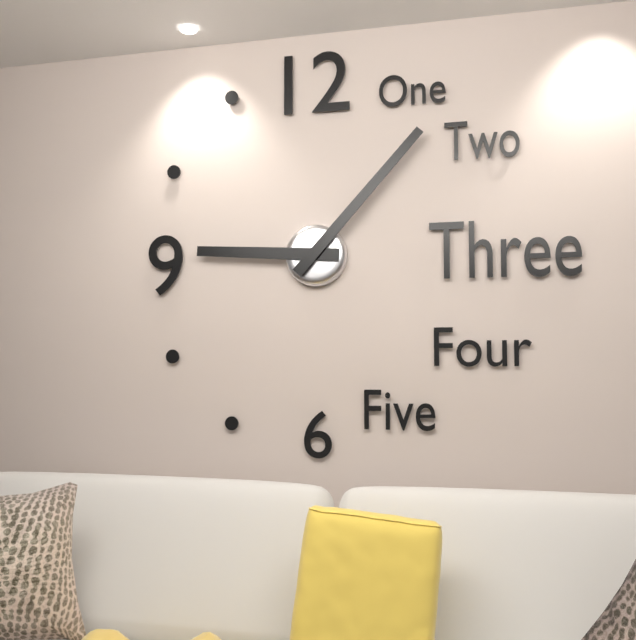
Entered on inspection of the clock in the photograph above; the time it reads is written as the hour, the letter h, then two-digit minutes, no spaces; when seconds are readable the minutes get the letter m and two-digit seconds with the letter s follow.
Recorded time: 9h07
